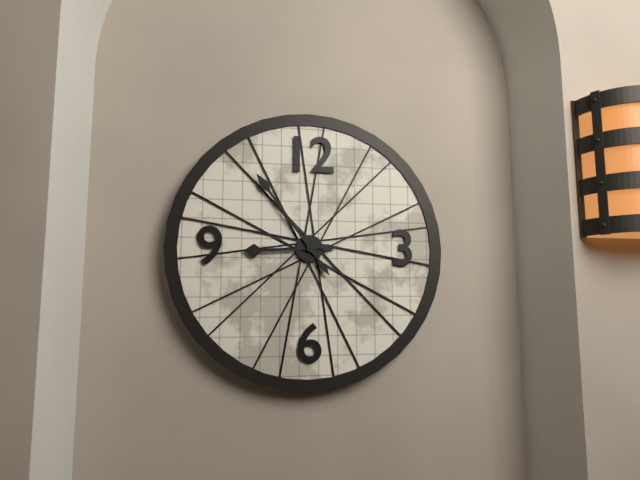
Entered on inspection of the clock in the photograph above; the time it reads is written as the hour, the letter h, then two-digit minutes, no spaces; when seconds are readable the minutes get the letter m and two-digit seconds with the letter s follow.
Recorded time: 8h54
